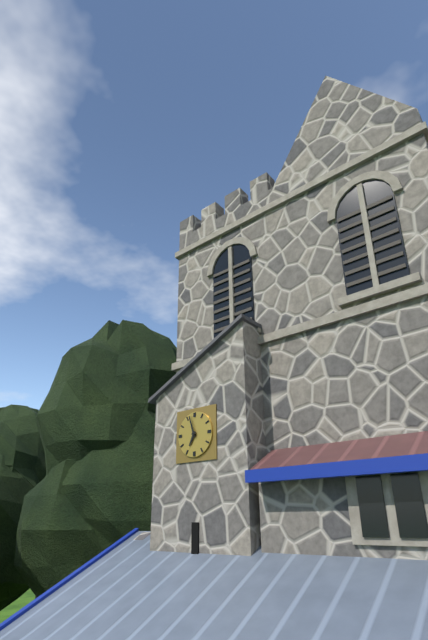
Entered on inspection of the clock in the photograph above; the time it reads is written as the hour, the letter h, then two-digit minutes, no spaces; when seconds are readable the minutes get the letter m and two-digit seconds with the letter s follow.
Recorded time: 6h57
